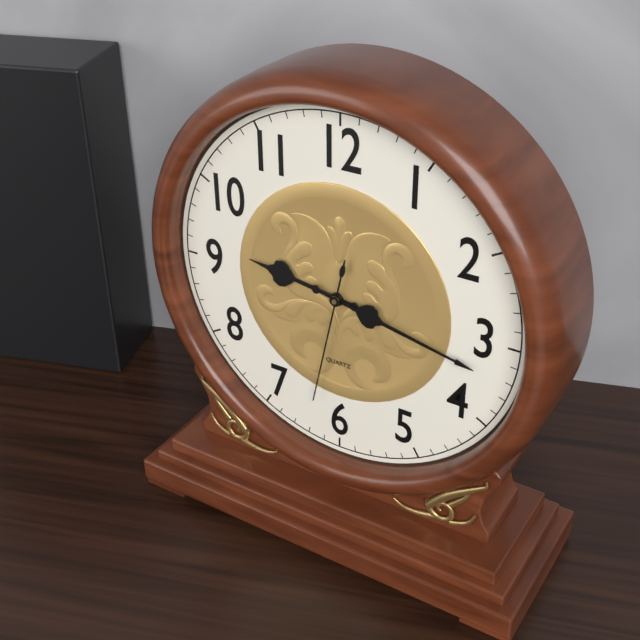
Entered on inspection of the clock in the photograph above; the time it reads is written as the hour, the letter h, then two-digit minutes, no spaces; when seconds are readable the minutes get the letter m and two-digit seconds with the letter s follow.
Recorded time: 9h17m32s
